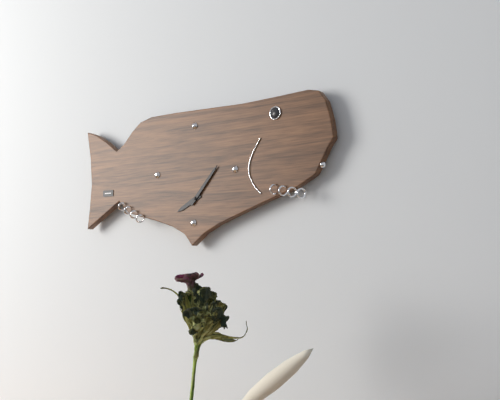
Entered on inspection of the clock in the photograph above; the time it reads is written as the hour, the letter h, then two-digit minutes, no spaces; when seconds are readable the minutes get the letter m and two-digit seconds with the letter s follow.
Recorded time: 8h07
